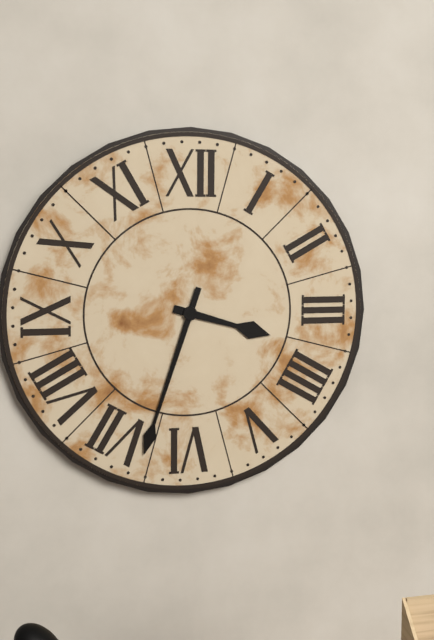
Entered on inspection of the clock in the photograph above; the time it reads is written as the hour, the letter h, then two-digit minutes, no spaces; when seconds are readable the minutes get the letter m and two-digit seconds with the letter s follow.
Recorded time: 3h33
